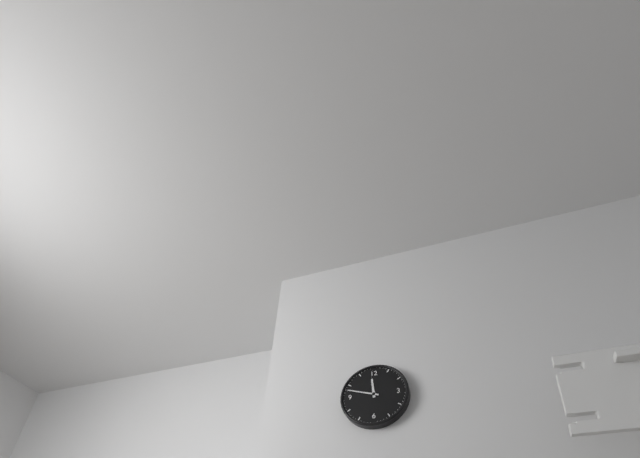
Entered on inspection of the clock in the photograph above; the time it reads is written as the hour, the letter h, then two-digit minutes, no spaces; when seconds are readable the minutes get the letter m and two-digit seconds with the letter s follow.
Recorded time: 11h48
